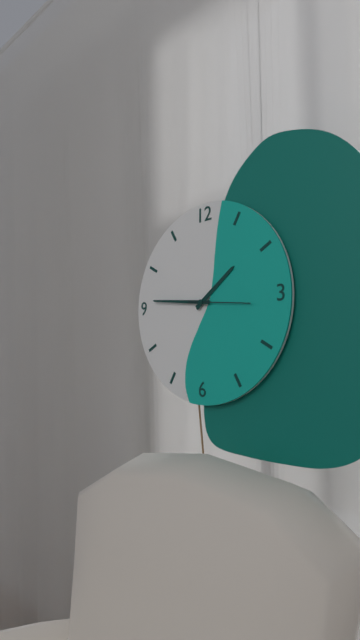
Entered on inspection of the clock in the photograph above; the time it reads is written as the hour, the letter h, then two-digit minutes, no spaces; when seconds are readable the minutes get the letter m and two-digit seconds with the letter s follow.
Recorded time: 1h46m16s
